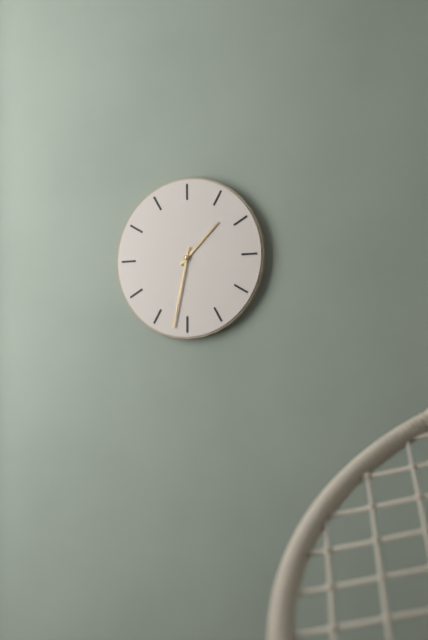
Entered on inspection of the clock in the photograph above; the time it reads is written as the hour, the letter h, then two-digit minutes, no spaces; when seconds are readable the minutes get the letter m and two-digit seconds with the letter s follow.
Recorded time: 1h32
